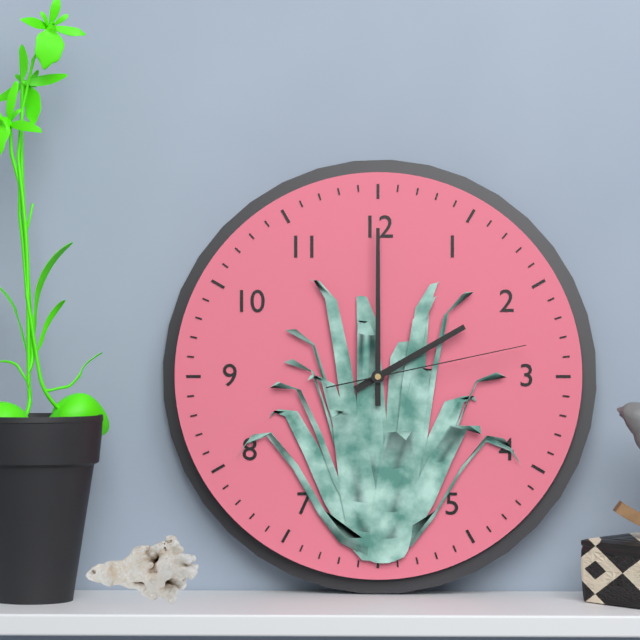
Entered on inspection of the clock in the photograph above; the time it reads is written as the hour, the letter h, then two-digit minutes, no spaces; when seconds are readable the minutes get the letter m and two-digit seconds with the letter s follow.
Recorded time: 2h00m13s
